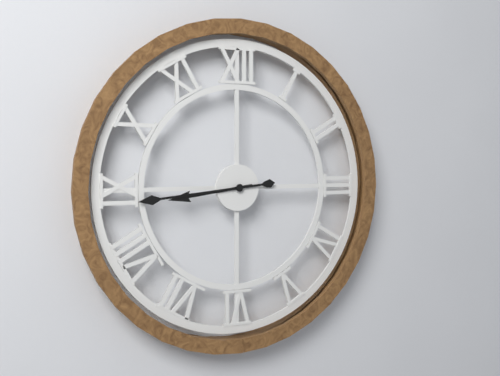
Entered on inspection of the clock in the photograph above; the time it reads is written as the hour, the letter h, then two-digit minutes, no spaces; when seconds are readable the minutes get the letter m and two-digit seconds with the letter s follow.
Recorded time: 8h44
